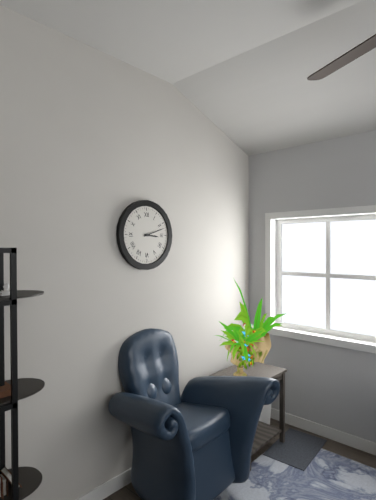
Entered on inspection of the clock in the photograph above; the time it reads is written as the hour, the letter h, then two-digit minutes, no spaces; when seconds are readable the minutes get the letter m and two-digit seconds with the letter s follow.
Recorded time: 3h12
